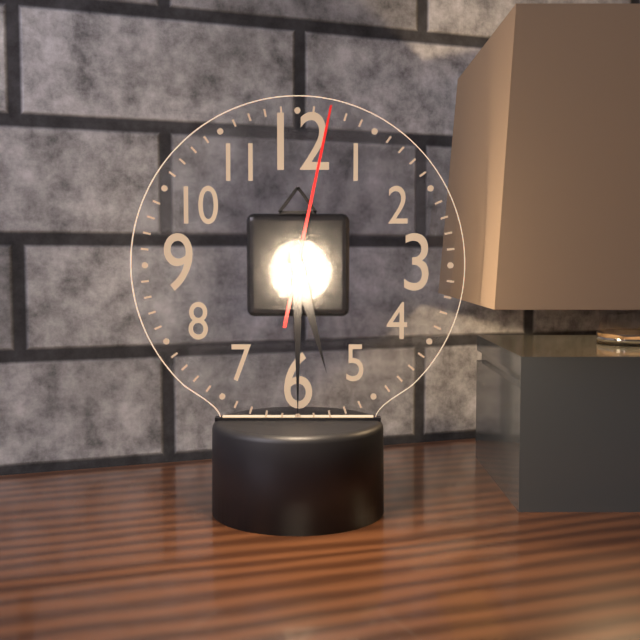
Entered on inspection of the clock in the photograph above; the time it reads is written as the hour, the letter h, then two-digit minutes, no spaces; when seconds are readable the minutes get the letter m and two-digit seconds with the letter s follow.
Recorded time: 5h30m02s
